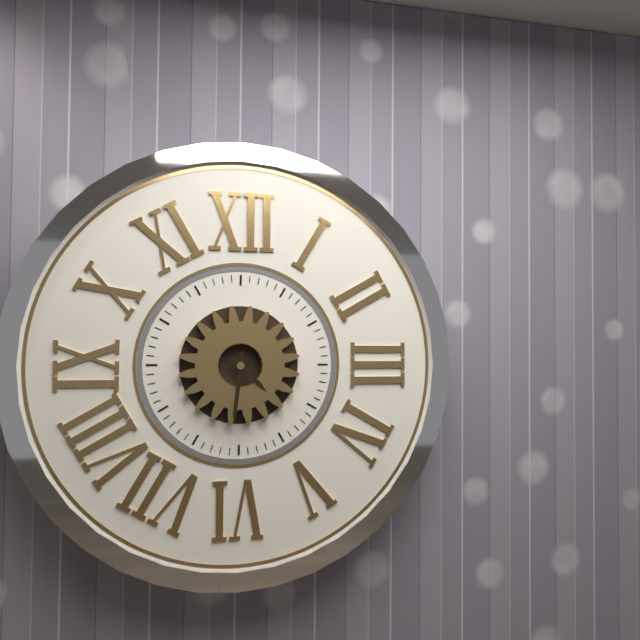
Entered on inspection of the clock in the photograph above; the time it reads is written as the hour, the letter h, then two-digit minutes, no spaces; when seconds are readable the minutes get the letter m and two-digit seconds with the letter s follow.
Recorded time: 4h31
